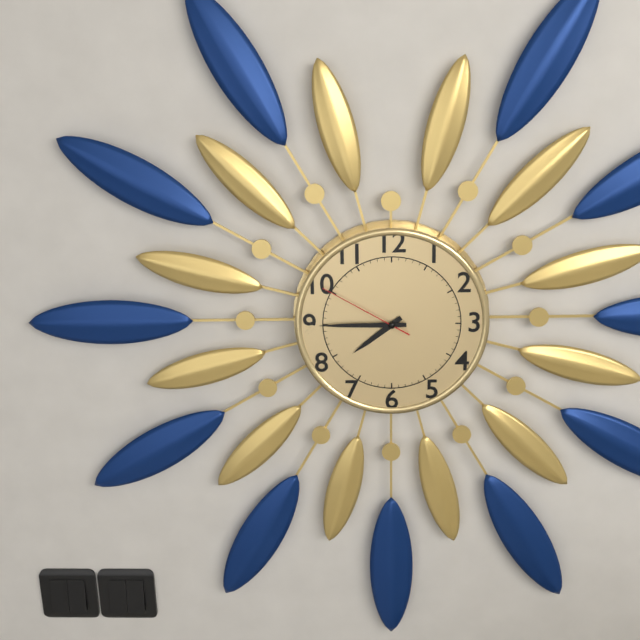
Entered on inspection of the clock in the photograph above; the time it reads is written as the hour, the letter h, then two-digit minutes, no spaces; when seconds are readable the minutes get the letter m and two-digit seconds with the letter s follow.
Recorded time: 7h45m50s
